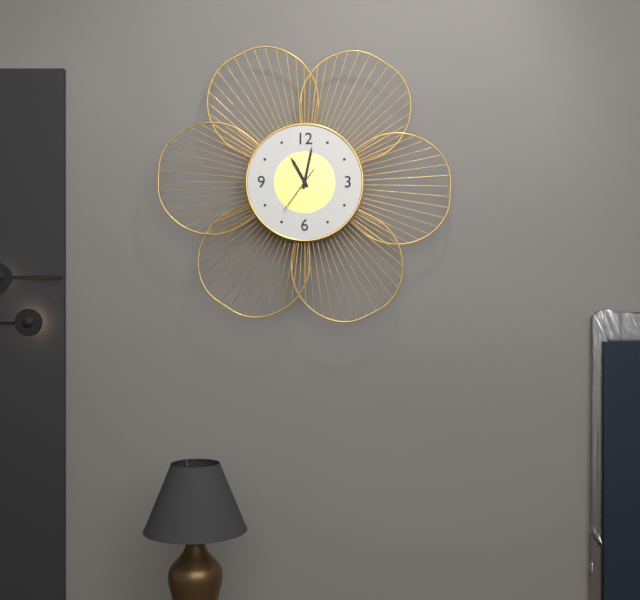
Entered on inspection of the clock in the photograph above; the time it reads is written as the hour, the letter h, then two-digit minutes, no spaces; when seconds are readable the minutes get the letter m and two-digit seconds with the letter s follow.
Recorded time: 11h02
